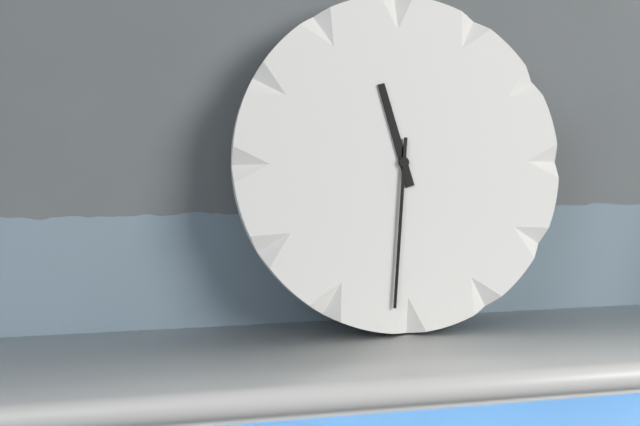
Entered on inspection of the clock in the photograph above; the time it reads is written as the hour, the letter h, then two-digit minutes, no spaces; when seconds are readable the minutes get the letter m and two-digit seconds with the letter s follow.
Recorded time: 11h31
